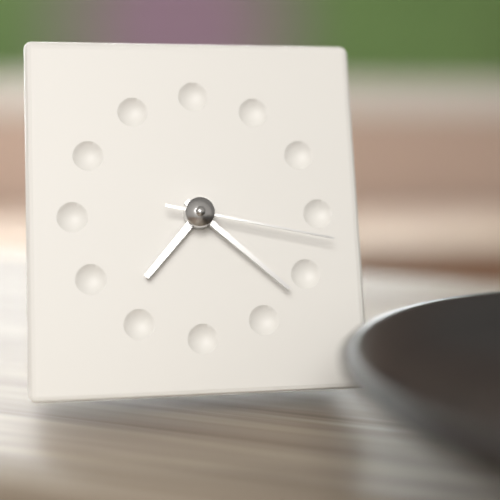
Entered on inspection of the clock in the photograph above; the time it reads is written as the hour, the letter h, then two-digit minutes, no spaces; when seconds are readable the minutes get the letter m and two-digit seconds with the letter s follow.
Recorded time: 7h22m17s
